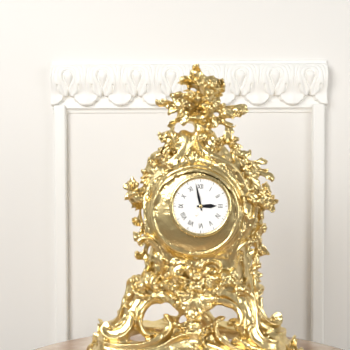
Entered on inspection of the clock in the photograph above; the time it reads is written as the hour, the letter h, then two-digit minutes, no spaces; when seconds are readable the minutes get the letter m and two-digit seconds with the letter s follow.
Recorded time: 2h58
